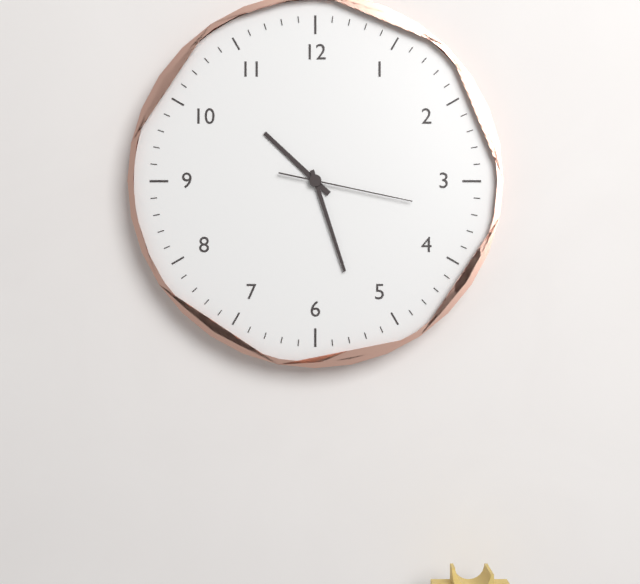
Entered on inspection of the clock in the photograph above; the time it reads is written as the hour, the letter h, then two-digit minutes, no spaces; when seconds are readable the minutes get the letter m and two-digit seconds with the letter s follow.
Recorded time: 10h27m17s
